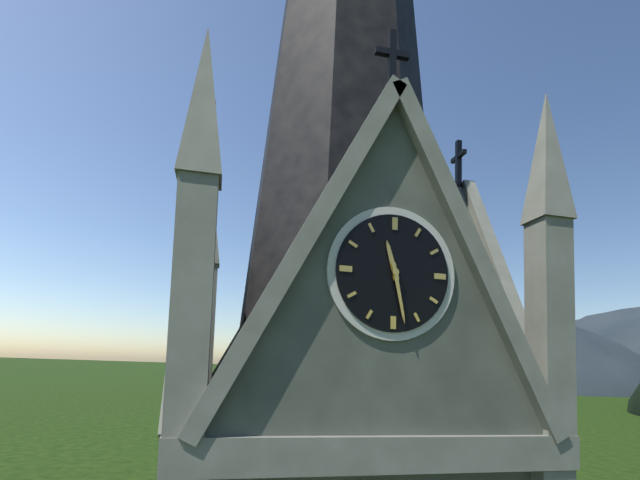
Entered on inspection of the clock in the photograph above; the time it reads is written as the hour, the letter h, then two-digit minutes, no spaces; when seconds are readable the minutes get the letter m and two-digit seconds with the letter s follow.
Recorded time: 11h28
